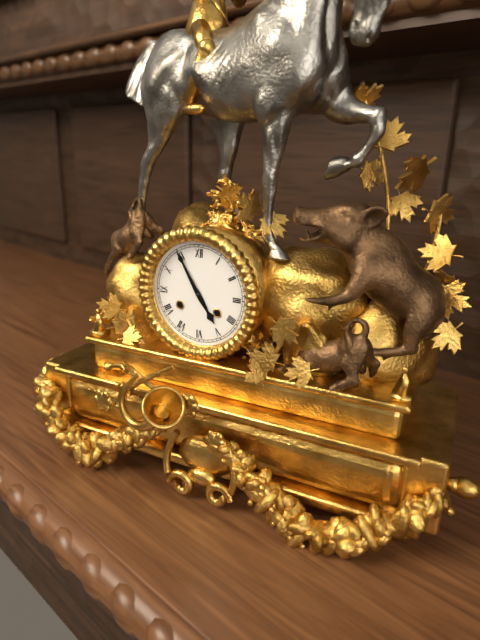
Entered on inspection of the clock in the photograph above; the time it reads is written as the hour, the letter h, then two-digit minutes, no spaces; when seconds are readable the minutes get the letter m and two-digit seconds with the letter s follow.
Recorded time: 4h55
